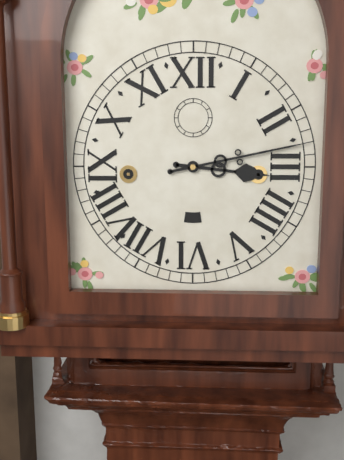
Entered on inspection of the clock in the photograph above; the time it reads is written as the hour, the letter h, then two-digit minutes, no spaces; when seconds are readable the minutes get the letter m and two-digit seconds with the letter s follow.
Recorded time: 3h13
